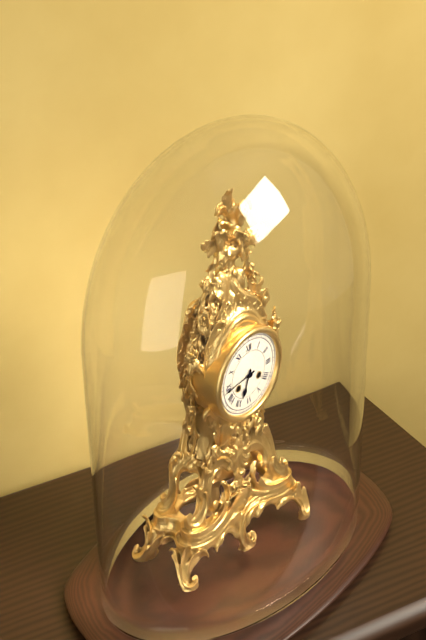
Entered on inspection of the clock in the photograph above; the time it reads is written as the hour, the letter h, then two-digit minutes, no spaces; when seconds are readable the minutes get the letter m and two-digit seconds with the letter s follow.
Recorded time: 6h44
